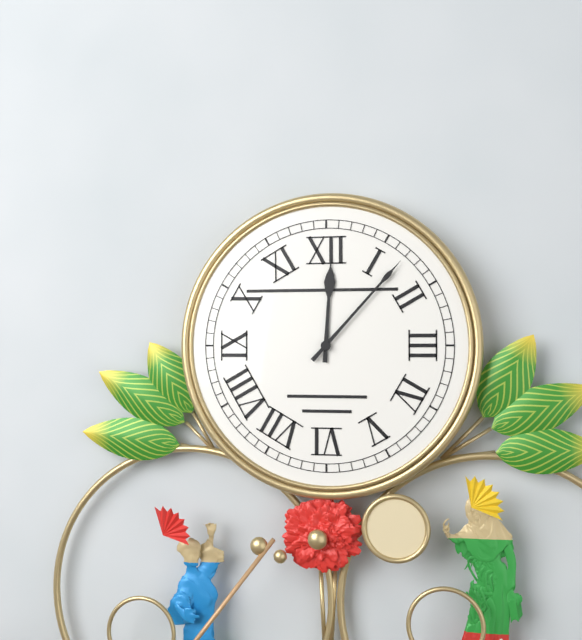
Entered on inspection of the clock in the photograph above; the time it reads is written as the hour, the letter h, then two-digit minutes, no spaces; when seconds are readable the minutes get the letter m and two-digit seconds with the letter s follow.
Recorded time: 12h07
